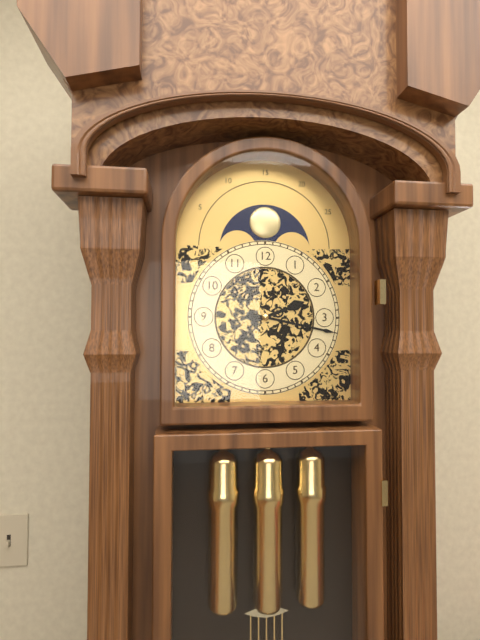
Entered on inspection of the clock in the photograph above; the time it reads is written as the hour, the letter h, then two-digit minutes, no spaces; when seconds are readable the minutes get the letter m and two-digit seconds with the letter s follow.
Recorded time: 2h17
